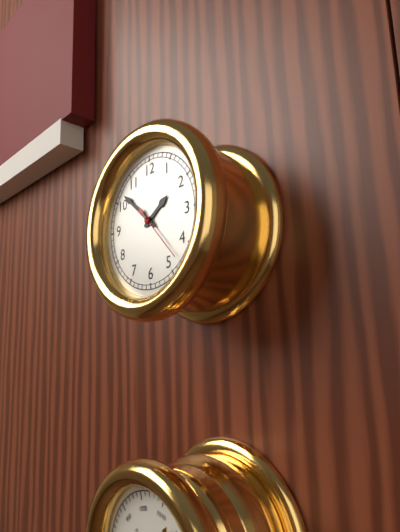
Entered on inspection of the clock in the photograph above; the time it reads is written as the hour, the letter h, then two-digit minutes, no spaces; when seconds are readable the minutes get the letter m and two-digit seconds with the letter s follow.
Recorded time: 1h52m23s
